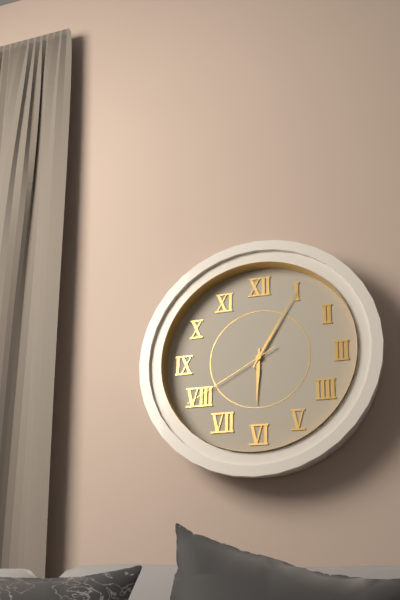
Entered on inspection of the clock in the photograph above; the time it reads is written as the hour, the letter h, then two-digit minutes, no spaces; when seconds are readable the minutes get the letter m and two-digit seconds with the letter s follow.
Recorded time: 6h05m40s
